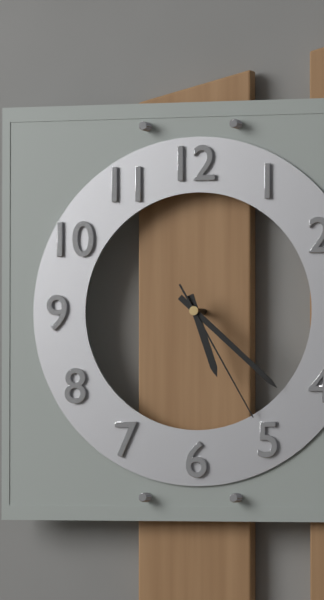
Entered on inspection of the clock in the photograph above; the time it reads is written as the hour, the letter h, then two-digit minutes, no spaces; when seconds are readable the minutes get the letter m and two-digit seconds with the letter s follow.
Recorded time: 5h22m25s
